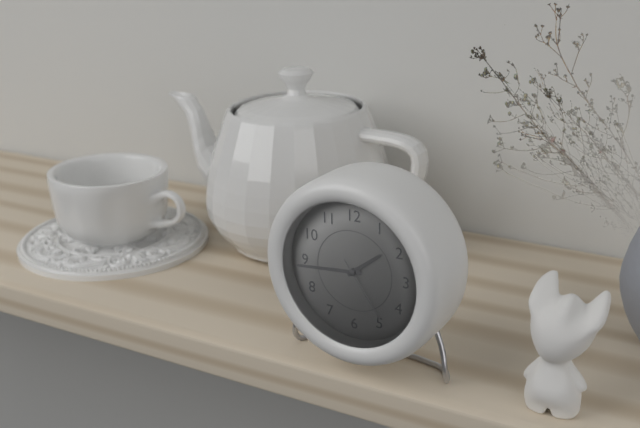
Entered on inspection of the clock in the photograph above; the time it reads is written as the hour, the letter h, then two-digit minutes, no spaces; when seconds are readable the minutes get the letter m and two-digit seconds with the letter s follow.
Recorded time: 1h44m24s
